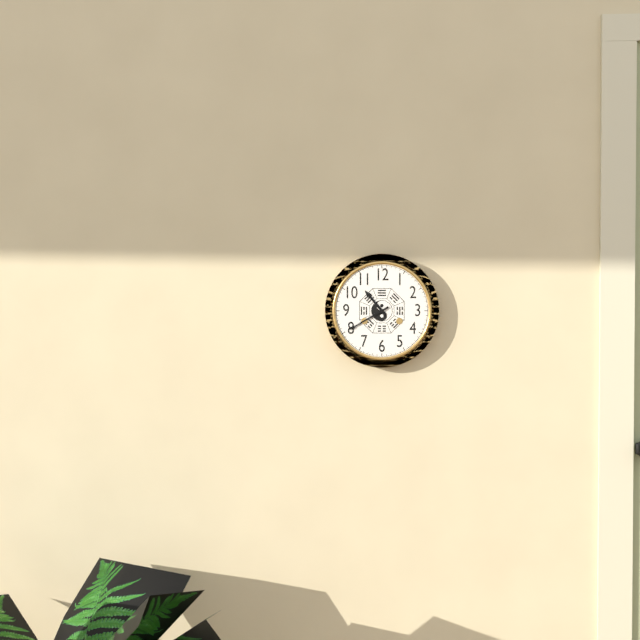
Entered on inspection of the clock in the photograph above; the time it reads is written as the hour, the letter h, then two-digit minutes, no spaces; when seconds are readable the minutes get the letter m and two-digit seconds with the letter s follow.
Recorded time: 10h40
